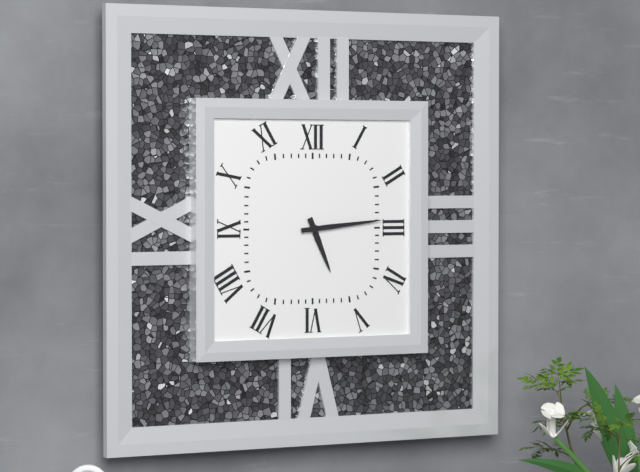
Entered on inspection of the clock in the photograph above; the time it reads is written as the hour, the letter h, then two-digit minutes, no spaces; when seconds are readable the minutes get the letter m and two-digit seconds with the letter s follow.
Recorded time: 5h14
